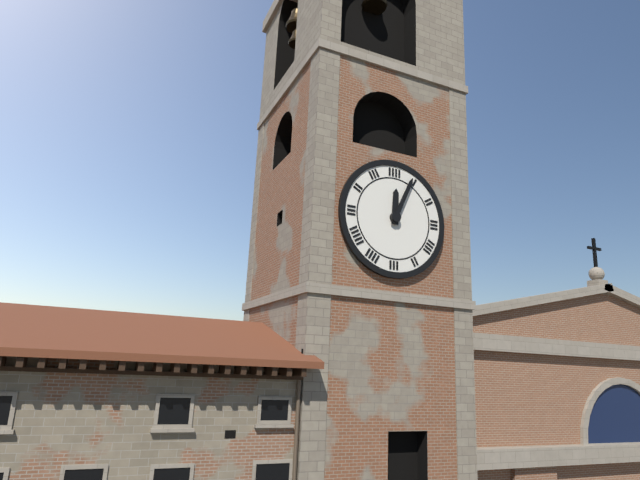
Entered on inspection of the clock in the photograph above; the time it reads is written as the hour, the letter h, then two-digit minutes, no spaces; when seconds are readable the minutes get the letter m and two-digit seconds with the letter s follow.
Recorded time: 12h04
